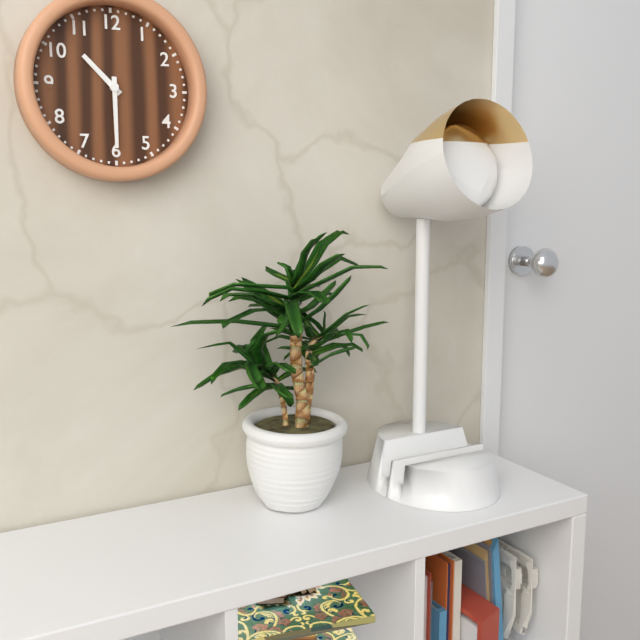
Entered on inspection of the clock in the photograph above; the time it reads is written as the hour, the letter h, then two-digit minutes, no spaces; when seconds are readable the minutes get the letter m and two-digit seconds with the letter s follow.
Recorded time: 10h30
